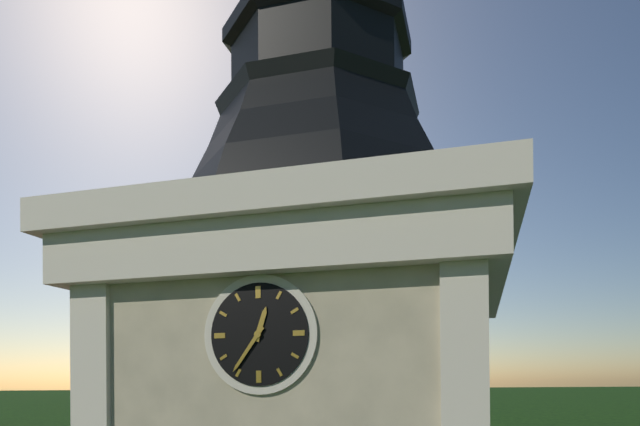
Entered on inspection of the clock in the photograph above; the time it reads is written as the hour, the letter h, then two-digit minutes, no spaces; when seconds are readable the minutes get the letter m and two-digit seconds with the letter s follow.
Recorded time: 12h36
